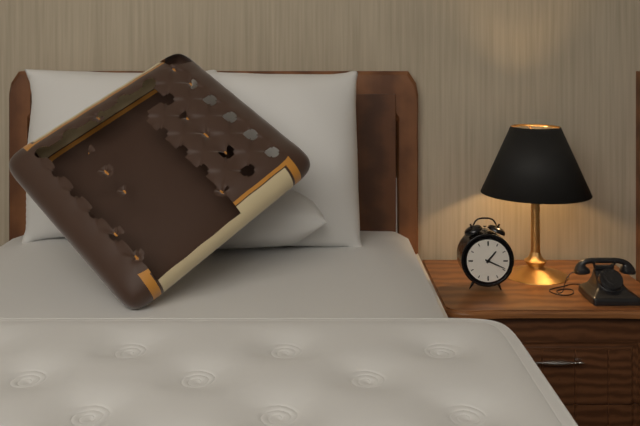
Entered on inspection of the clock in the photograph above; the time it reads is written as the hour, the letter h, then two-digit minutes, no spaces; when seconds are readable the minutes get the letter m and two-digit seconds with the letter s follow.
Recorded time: 1h19
